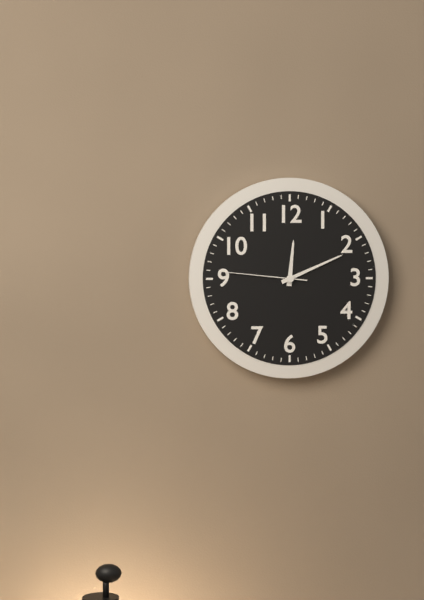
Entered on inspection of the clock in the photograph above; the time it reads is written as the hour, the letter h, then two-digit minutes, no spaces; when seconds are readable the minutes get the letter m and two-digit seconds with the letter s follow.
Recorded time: 12h11m46s
